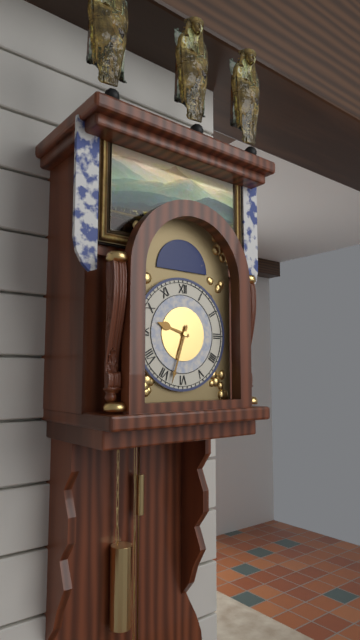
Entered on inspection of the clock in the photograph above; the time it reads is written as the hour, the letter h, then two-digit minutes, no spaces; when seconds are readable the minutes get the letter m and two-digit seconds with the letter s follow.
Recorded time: 9h33
